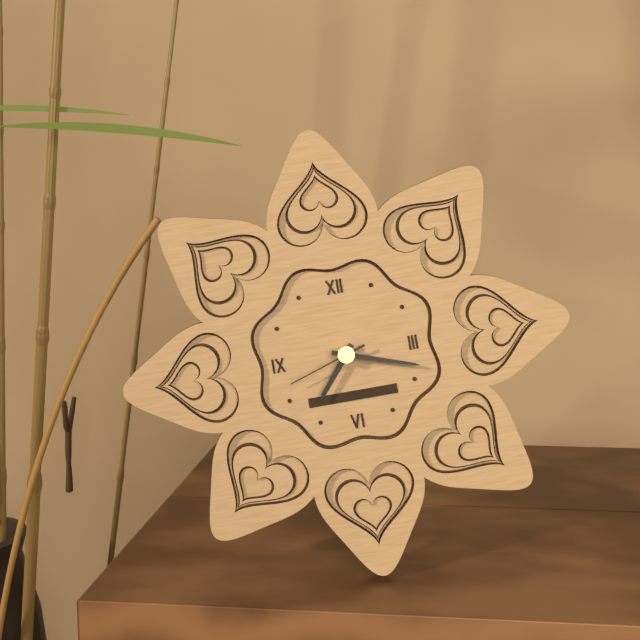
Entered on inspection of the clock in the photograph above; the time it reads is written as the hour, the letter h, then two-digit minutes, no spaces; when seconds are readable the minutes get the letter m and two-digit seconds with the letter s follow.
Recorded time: 7h18m42s
